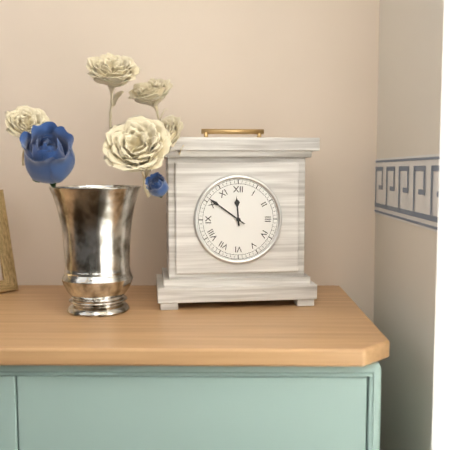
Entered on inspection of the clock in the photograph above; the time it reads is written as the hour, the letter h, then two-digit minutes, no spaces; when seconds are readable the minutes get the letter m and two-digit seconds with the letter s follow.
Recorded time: 11h51
